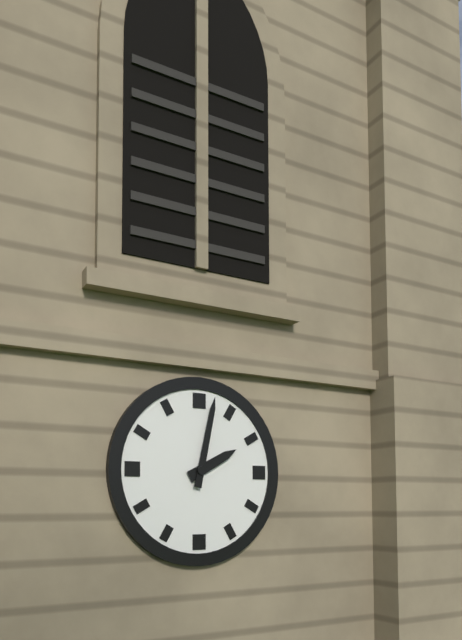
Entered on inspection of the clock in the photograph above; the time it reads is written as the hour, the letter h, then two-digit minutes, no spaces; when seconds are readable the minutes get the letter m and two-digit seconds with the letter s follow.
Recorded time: 2h02
